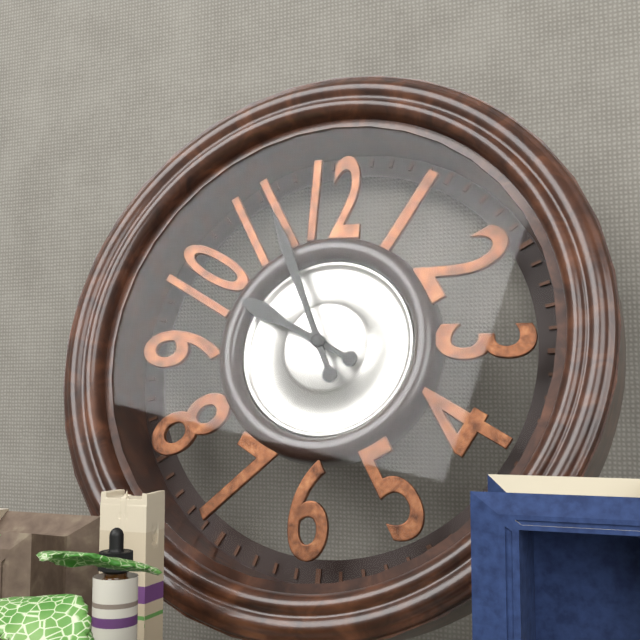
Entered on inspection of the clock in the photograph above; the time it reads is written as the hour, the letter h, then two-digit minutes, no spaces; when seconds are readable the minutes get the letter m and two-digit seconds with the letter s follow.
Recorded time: 9h56
